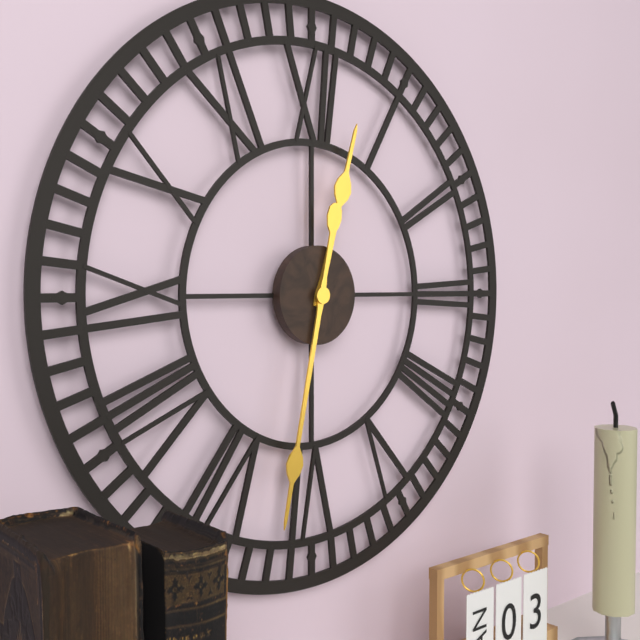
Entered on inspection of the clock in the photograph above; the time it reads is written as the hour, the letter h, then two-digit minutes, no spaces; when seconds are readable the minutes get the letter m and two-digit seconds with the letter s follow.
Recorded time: 12h32
